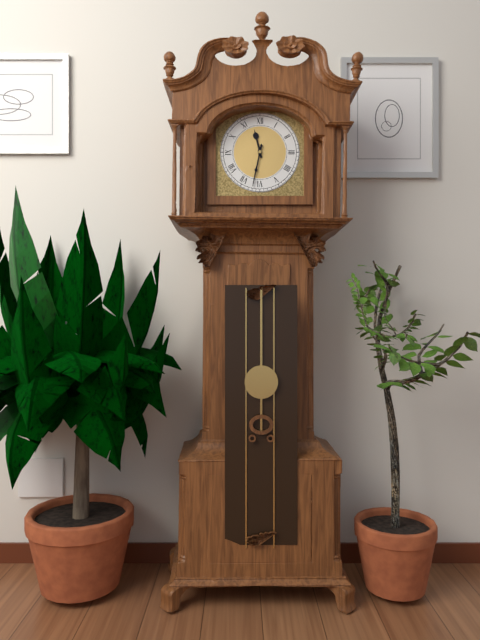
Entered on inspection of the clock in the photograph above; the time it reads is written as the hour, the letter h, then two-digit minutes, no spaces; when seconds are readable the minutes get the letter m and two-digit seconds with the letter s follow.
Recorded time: 11h32
